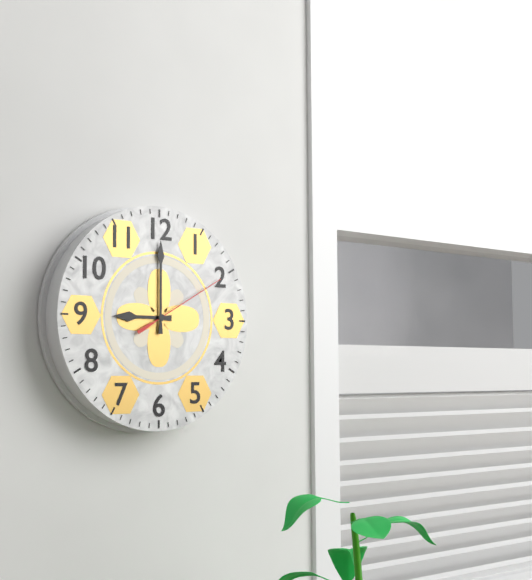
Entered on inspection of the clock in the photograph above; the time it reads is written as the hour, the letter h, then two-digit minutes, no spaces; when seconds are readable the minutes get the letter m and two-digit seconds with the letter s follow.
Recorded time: 9h00m10s
